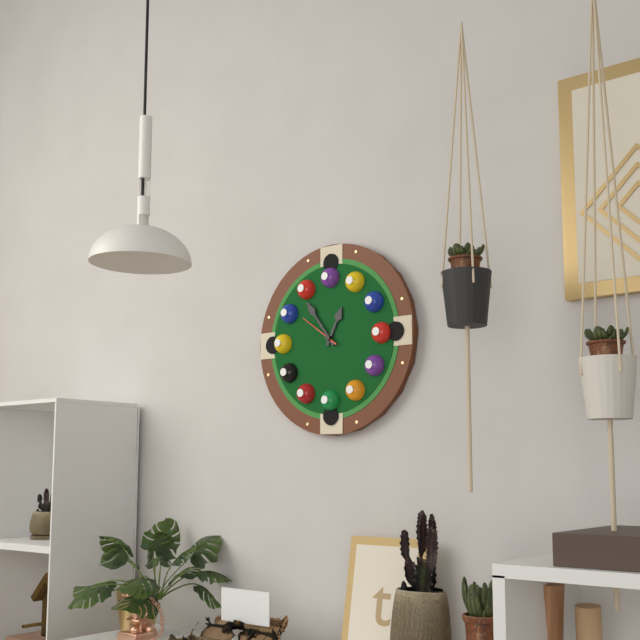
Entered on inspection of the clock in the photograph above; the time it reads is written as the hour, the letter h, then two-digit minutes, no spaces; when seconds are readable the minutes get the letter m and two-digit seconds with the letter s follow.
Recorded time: 12h54
